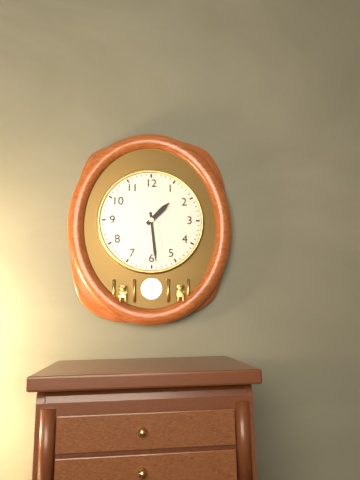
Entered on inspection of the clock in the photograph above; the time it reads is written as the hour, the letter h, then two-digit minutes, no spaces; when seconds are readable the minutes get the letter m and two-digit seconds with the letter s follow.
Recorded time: 1h29
